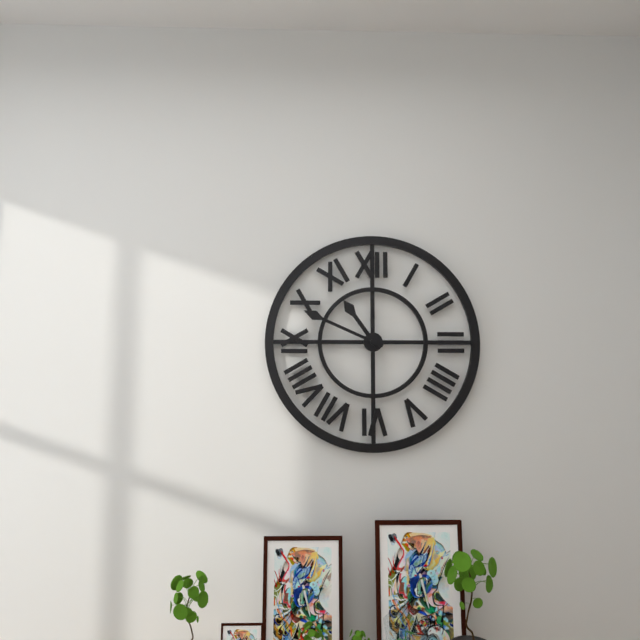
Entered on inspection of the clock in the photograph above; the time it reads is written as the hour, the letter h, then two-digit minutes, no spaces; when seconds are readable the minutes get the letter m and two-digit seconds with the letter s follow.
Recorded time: 10h49
